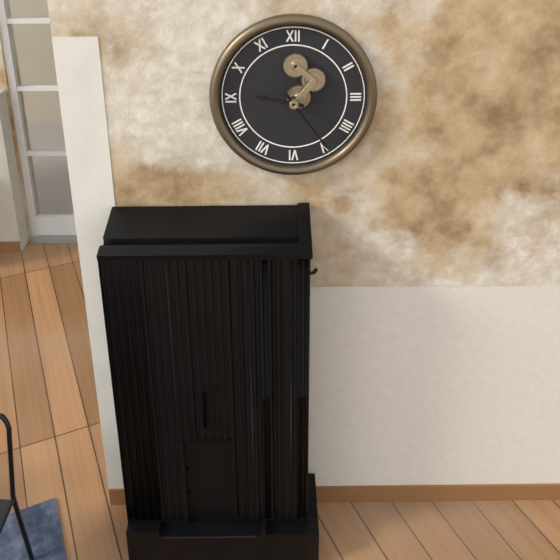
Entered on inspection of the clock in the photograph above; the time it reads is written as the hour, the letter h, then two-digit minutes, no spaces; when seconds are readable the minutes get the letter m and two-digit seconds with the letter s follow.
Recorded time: 9h24
